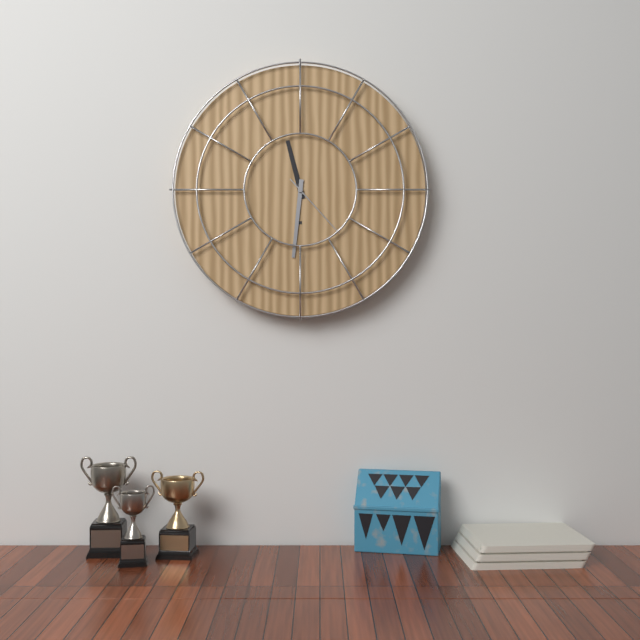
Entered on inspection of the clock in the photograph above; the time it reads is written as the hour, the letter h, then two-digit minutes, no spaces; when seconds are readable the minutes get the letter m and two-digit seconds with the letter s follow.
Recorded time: 11h31m23s
